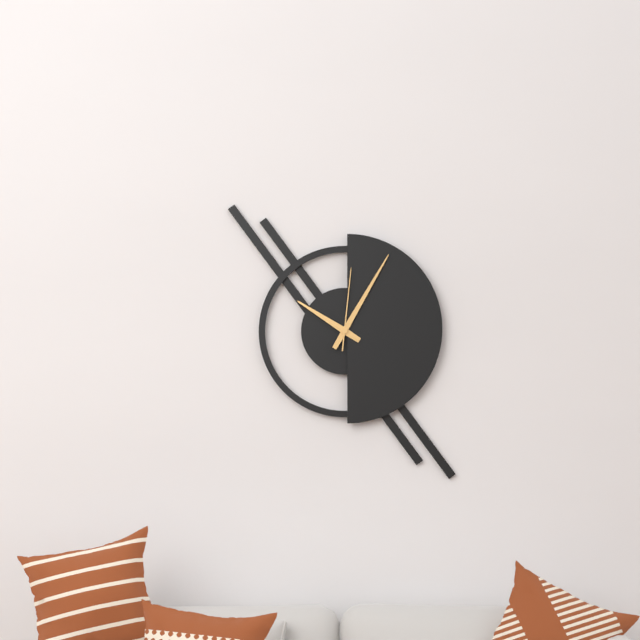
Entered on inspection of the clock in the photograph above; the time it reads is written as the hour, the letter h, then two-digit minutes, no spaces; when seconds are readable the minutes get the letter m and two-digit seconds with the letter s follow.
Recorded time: 10h05m01s
